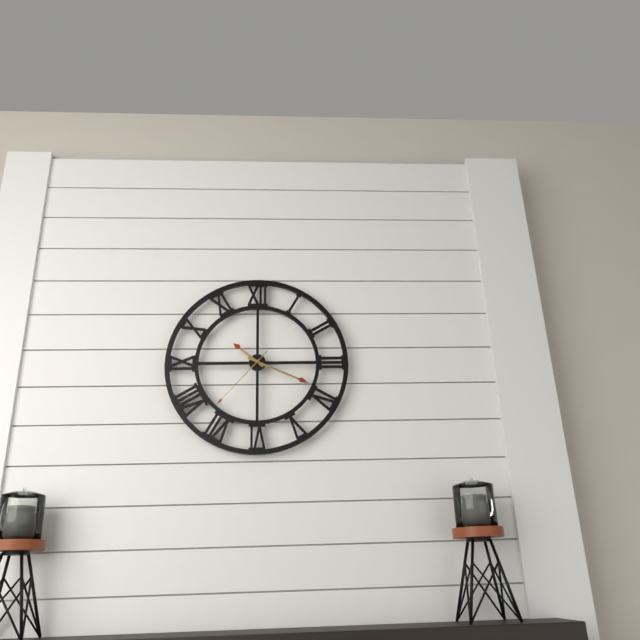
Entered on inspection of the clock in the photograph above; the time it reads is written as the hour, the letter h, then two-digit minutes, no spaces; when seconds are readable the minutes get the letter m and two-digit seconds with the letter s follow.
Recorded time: 10h19m37s
